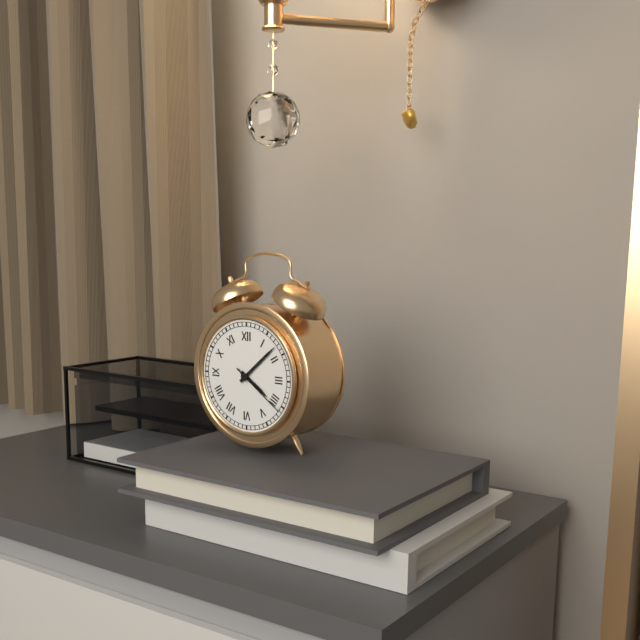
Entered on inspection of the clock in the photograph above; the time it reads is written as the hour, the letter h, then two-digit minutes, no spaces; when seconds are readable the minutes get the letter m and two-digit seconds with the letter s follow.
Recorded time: 4h08m21s
